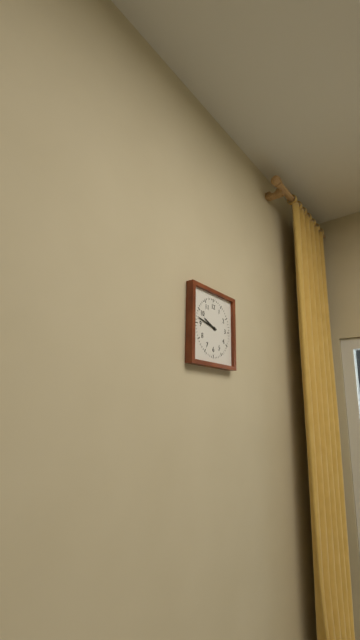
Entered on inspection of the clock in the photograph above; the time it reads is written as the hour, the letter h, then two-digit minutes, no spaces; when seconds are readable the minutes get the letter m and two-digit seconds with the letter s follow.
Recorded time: 9h47
